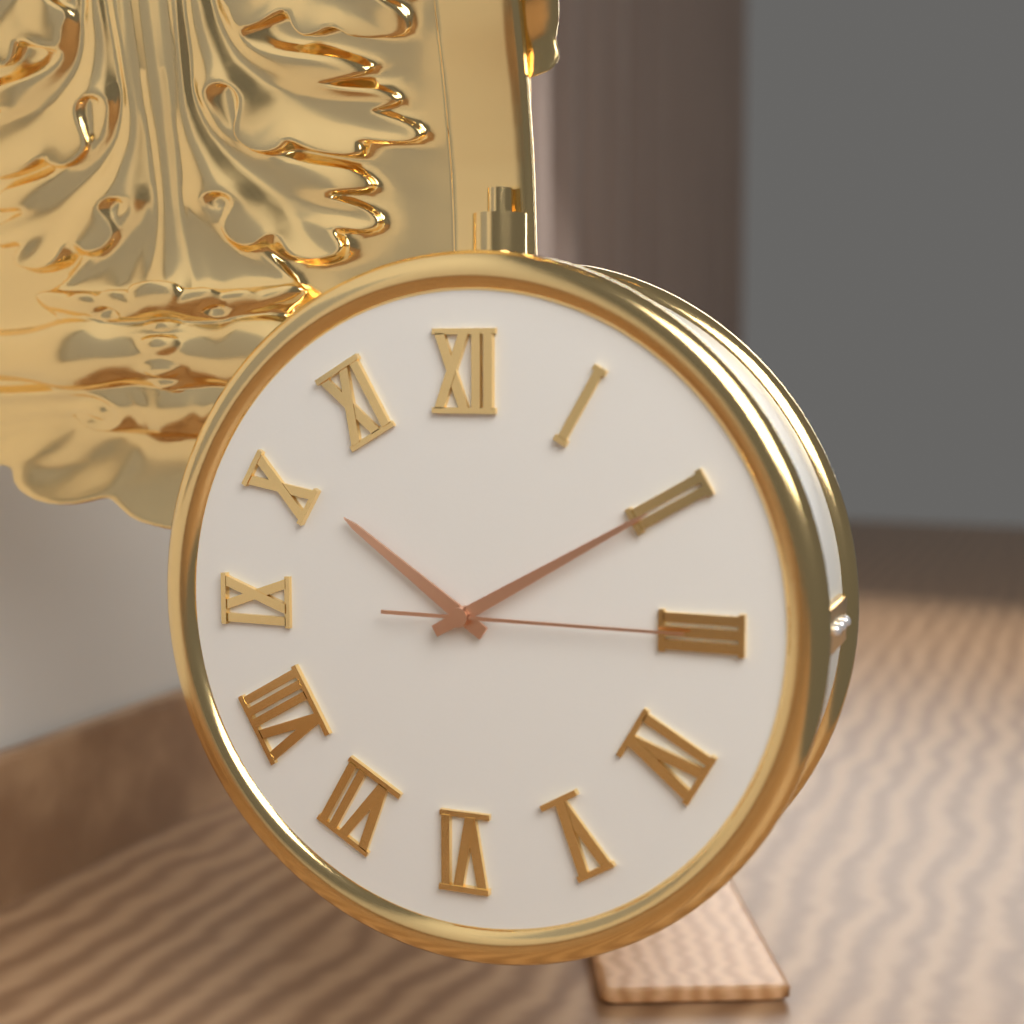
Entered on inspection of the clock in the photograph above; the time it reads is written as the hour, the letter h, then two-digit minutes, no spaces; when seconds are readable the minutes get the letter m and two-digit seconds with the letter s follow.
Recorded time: 10h10m15s
